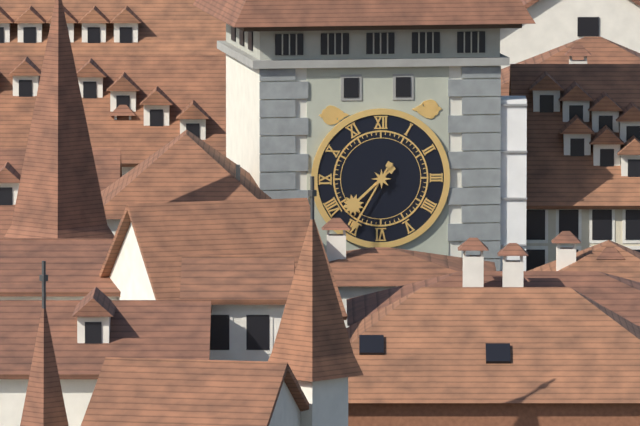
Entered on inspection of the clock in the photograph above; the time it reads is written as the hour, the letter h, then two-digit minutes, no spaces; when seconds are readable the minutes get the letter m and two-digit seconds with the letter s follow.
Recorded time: 7h35
